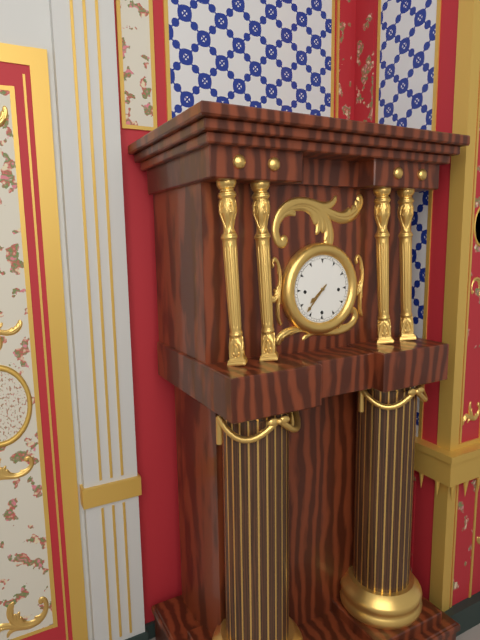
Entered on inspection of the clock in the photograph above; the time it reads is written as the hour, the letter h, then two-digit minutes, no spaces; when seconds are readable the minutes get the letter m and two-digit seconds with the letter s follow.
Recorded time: 7h37
